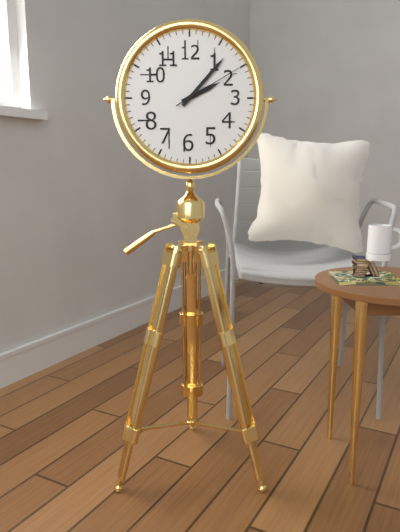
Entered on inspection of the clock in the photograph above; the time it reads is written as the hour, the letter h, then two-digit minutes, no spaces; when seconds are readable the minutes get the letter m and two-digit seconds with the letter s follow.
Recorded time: 2h07m10s
